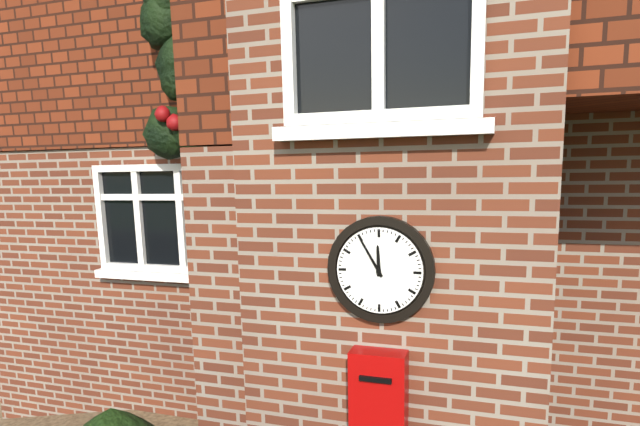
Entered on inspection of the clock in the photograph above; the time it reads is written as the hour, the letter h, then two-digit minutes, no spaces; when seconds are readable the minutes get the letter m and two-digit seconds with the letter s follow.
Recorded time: 11h55
